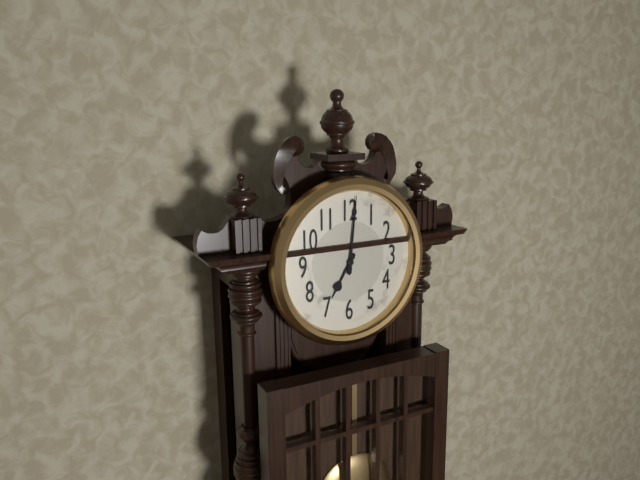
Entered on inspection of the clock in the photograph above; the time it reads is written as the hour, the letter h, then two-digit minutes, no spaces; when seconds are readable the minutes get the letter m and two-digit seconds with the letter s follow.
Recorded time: 7h01
